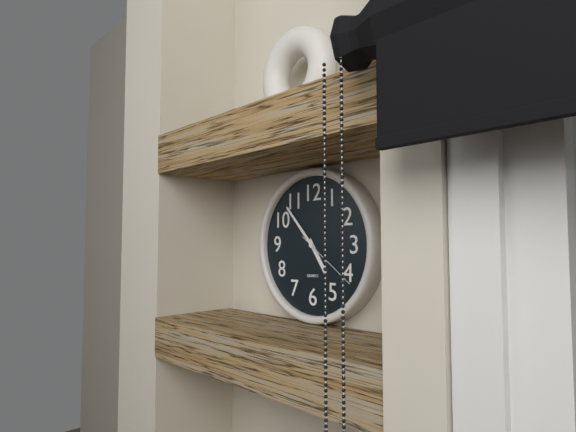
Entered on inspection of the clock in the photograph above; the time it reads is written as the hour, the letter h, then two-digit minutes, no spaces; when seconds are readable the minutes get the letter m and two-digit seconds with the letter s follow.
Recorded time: 4h53m21s
